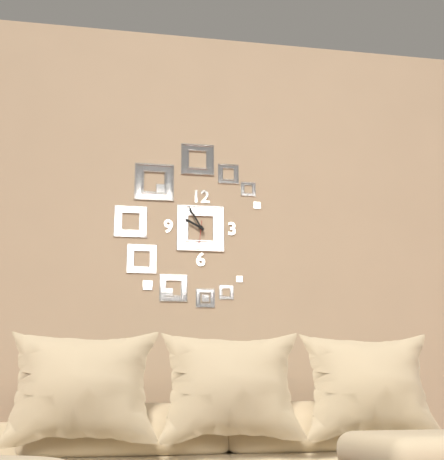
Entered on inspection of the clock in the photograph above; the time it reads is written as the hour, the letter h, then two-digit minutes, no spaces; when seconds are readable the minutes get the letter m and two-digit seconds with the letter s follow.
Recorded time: 9h55
